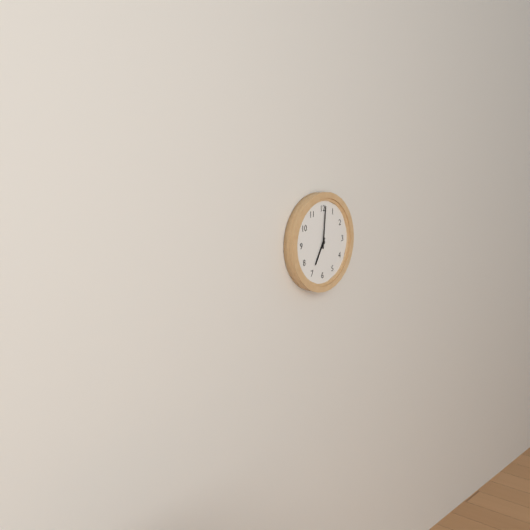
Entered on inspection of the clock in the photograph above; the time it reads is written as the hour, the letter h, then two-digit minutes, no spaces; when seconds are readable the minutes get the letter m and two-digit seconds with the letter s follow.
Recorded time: 7h01
